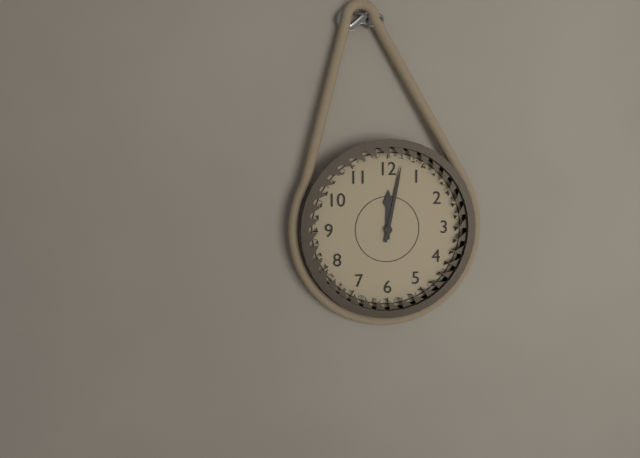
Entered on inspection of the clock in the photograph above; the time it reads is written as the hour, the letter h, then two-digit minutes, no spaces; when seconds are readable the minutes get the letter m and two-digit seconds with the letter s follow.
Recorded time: 12h02
